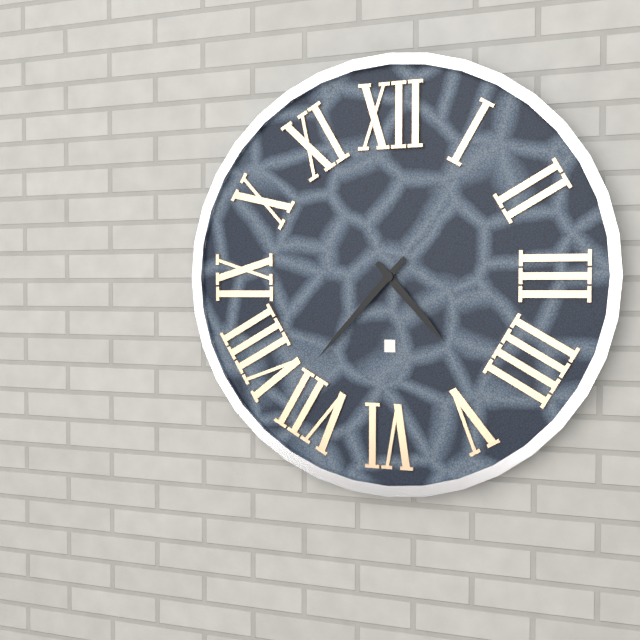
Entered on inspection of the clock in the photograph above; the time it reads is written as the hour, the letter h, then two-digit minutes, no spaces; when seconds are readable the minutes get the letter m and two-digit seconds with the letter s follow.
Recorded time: 4h37
